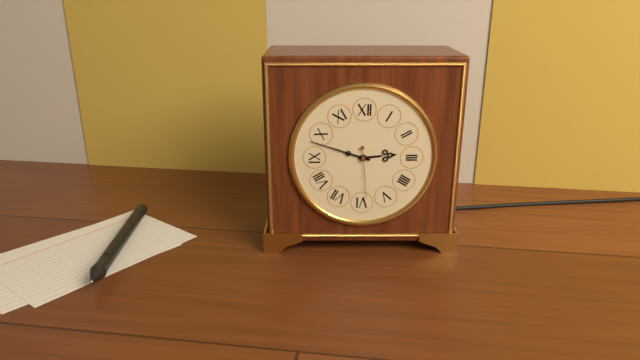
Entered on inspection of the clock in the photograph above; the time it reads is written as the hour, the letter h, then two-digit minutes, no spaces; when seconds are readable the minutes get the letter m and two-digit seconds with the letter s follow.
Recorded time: 2h48m29s
